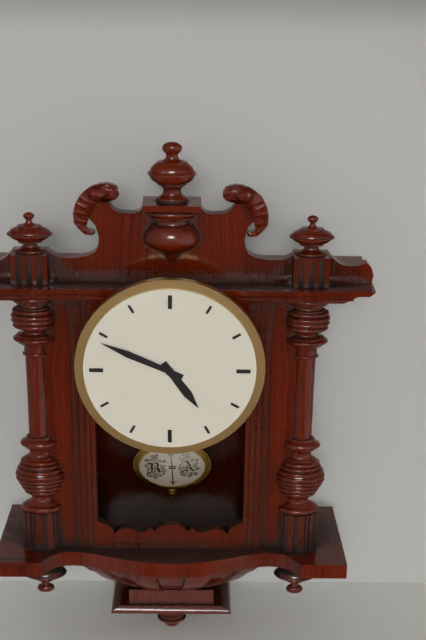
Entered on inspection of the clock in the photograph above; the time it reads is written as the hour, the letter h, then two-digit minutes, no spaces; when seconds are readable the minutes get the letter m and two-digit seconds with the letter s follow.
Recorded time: 4h49
